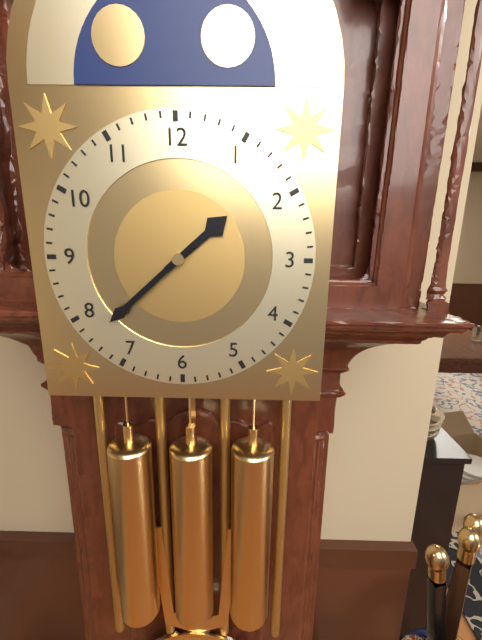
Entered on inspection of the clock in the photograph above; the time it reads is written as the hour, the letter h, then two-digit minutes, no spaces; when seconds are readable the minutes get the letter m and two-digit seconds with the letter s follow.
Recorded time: 1h38
